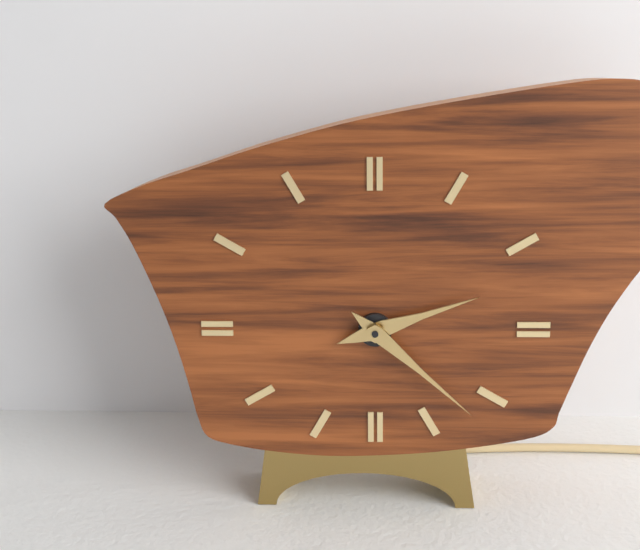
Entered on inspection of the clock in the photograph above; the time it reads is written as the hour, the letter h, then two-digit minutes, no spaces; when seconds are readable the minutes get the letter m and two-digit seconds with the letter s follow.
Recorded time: 2h22
